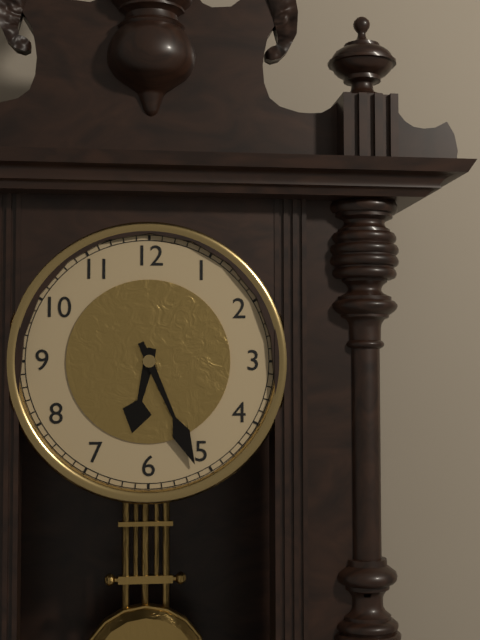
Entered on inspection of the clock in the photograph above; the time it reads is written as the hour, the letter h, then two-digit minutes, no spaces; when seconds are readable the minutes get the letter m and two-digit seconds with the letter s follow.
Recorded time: 6h26
